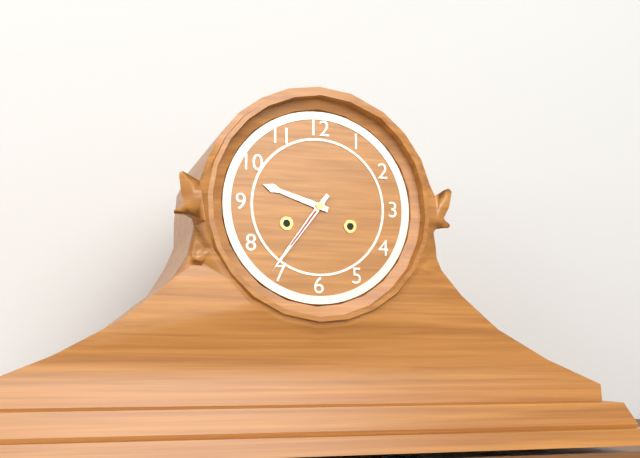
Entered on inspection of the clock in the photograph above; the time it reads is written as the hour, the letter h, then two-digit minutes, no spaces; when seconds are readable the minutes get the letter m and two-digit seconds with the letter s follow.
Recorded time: 9h36
